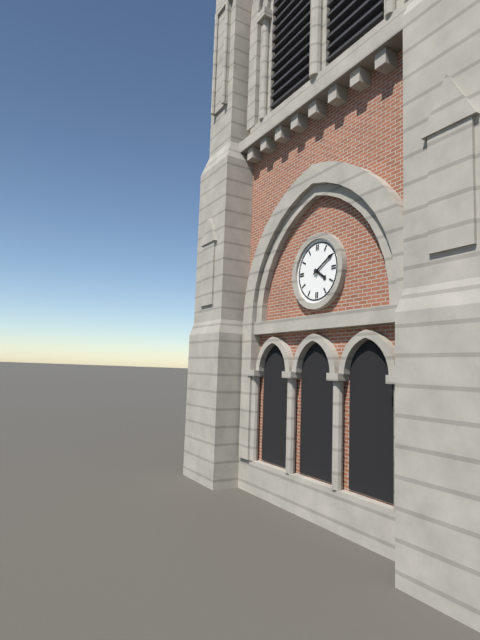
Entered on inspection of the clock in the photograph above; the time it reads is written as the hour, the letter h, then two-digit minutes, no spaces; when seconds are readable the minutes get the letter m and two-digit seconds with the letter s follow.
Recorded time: 4h10
